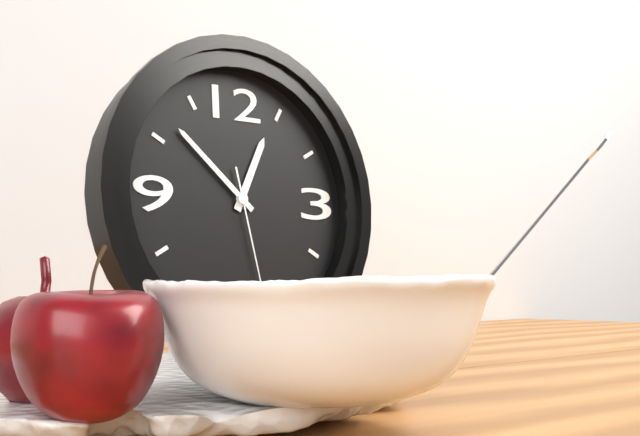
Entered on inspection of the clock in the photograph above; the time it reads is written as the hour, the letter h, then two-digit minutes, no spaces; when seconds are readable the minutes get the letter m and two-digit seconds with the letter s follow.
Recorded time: 12h52m28s
